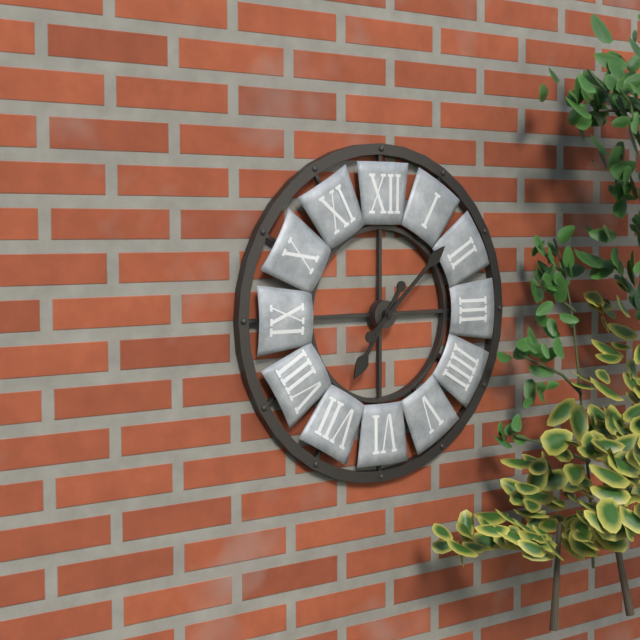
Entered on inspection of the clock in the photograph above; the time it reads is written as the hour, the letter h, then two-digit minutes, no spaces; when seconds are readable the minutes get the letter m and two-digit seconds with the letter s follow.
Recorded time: 7h08
